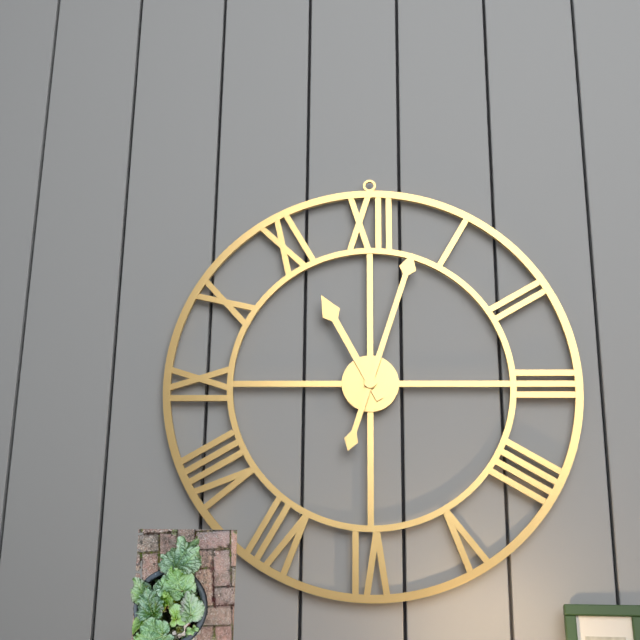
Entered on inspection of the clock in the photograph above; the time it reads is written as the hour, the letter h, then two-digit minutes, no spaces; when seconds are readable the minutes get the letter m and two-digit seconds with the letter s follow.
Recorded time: 11h03
